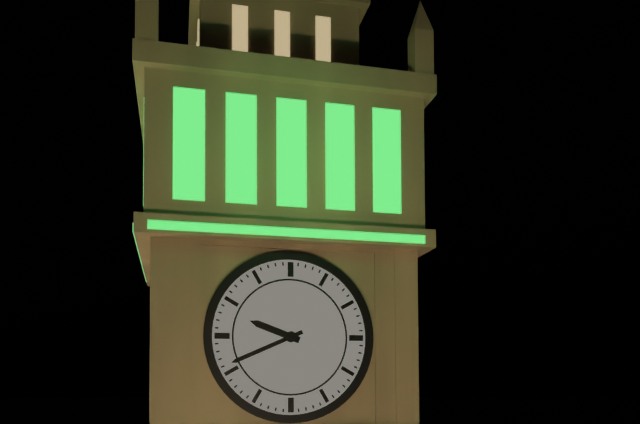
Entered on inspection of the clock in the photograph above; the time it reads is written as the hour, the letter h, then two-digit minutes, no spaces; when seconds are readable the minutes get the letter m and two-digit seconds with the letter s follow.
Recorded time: 9h41
